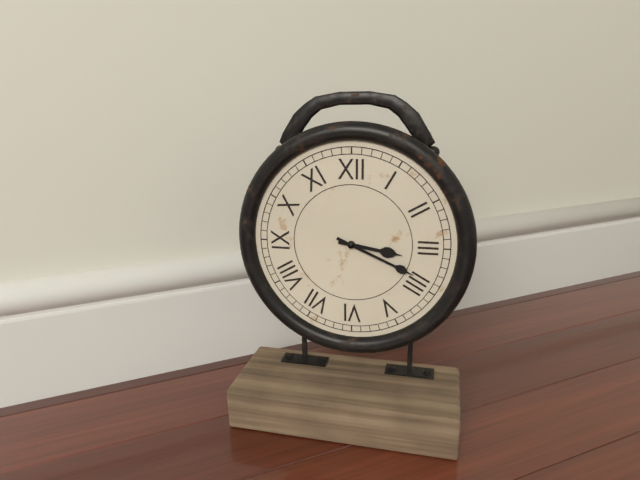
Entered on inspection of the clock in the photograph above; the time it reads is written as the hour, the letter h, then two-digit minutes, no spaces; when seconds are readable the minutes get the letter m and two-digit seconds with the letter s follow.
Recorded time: 3h19
